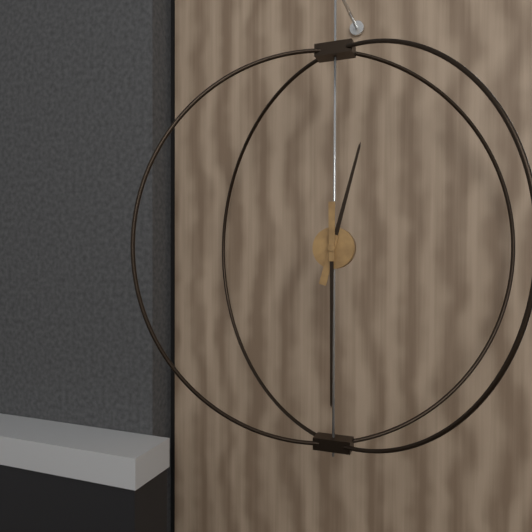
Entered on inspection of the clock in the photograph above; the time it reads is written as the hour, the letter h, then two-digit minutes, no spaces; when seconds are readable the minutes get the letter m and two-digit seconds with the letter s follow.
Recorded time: 12h30
